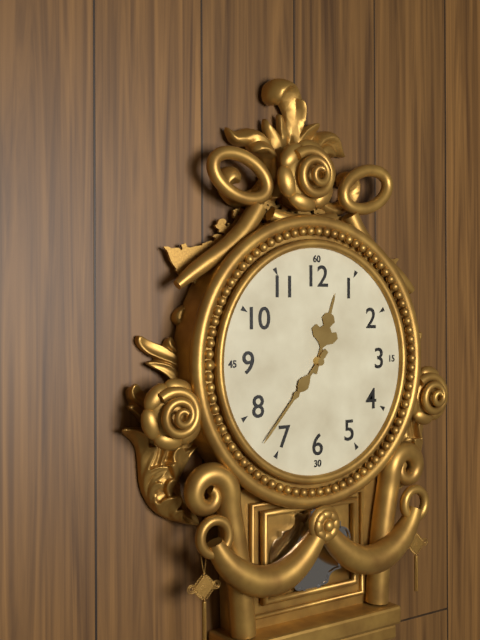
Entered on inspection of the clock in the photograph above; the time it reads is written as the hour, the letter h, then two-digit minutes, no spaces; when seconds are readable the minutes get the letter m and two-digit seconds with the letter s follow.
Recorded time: 12h37
